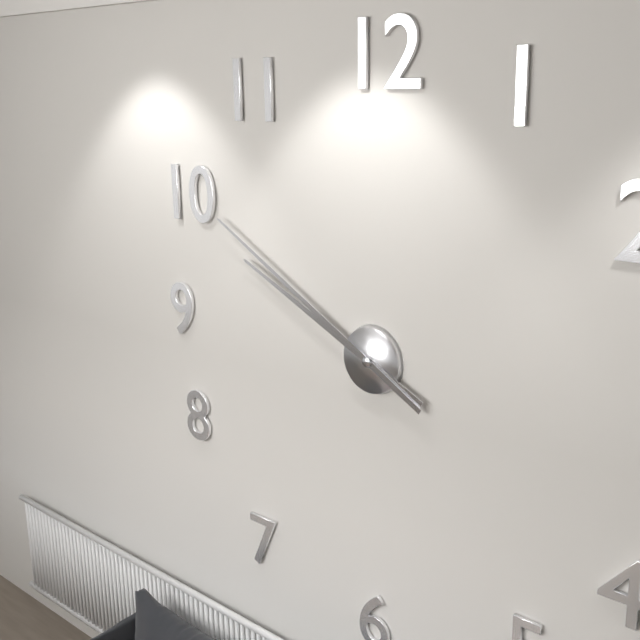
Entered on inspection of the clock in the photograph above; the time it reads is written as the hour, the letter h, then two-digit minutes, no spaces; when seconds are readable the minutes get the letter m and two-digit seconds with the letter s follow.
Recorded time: 9h50
